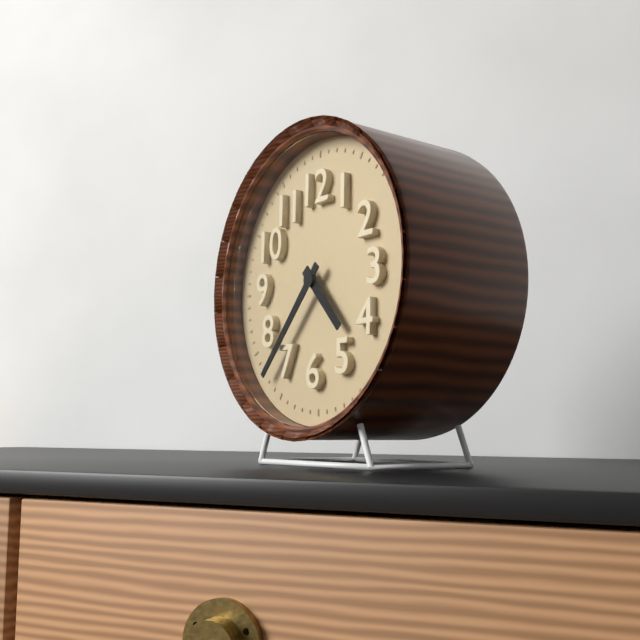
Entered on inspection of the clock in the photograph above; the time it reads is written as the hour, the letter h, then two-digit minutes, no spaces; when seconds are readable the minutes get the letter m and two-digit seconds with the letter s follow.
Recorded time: 4h37
